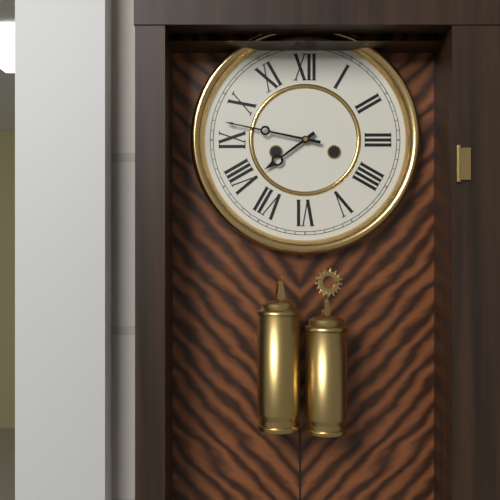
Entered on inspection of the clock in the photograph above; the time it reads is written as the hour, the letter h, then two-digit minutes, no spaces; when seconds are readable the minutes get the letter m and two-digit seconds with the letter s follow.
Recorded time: 7h47
